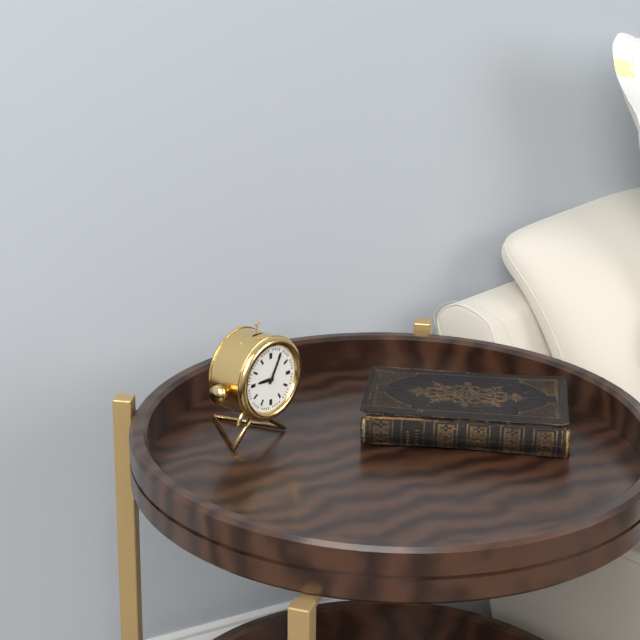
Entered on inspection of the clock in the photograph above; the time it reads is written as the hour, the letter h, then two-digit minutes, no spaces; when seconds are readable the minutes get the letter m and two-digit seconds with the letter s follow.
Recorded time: 9h05
